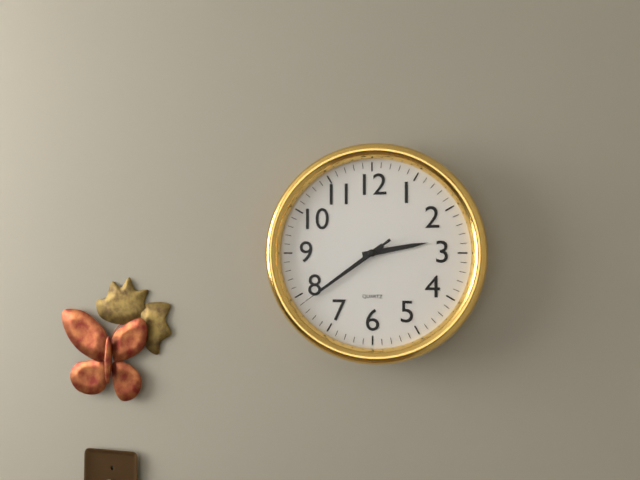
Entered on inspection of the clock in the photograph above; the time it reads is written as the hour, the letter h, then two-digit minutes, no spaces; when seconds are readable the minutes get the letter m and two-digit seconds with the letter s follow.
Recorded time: 2h39m39s
